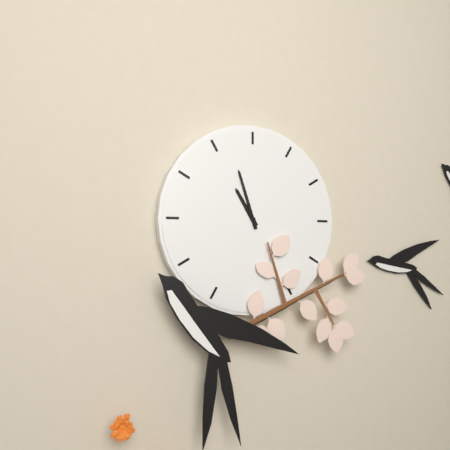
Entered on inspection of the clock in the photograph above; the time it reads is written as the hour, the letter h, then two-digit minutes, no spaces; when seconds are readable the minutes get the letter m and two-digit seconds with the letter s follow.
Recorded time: 10h57
